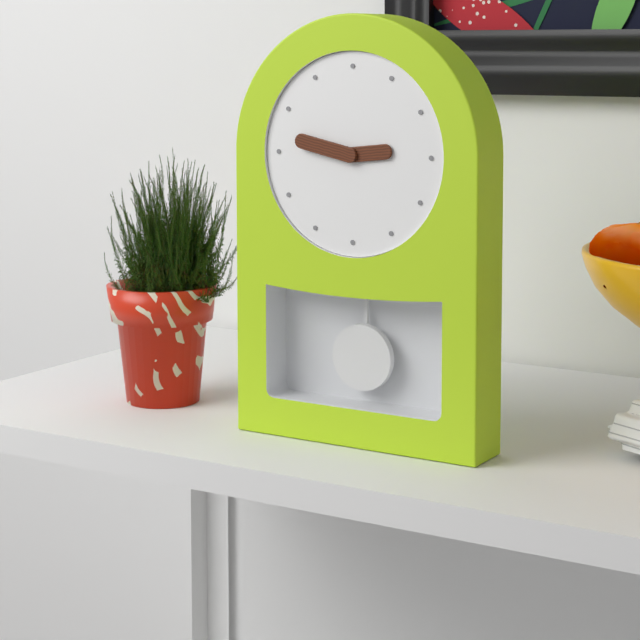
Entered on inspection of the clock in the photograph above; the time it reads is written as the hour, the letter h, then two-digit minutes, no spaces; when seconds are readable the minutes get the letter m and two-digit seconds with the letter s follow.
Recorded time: 2h47
